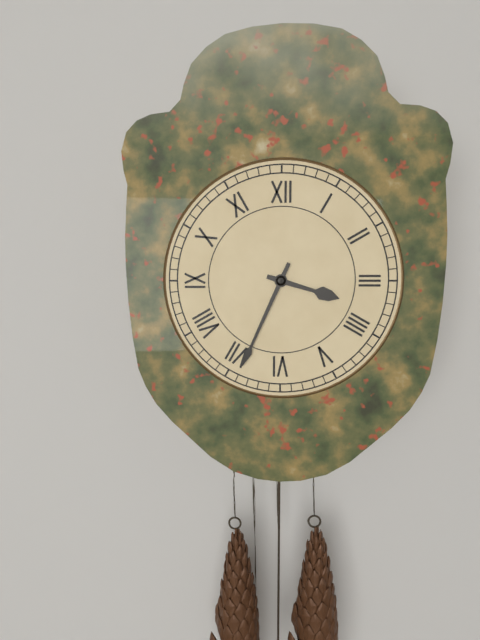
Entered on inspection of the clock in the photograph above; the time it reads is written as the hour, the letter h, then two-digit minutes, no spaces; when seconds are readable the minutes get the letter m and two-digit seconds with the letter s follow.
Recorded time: 3h34
